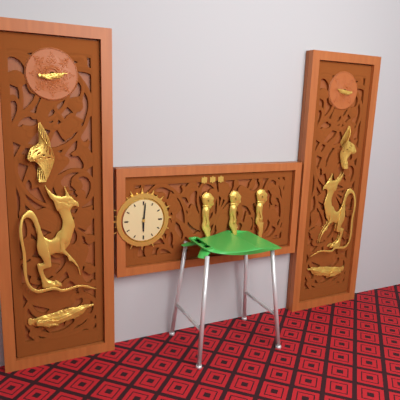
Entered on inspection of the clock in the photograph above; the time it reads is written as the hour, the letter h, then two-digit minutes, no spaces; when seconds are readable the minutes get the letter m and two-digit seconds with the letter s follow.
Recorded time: 6h01
